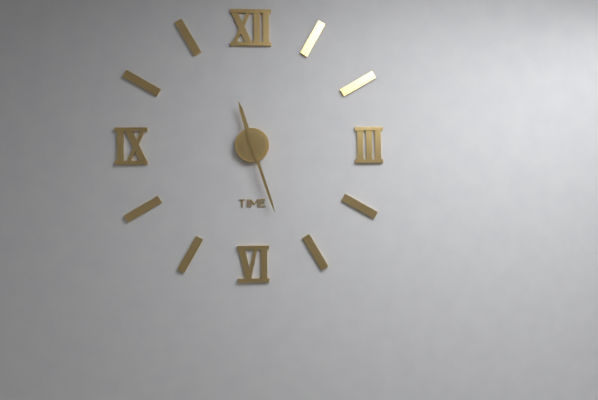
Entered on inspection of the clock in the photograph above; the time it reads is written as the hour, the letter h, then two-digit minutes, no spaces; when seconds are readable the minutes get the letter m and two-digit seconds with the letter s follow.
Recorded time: 11h27
